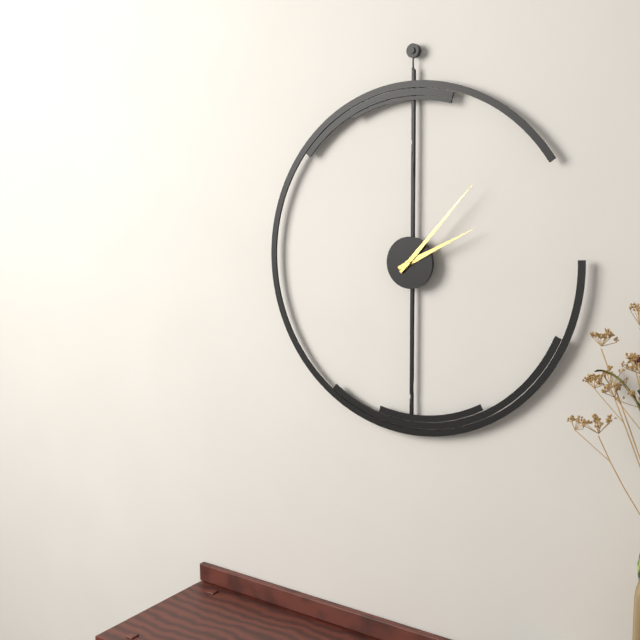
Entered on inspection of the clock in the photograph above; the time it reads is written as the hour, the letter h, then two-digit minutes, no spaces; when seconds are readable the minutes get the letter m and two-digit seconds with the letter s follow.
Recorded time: 2h07
